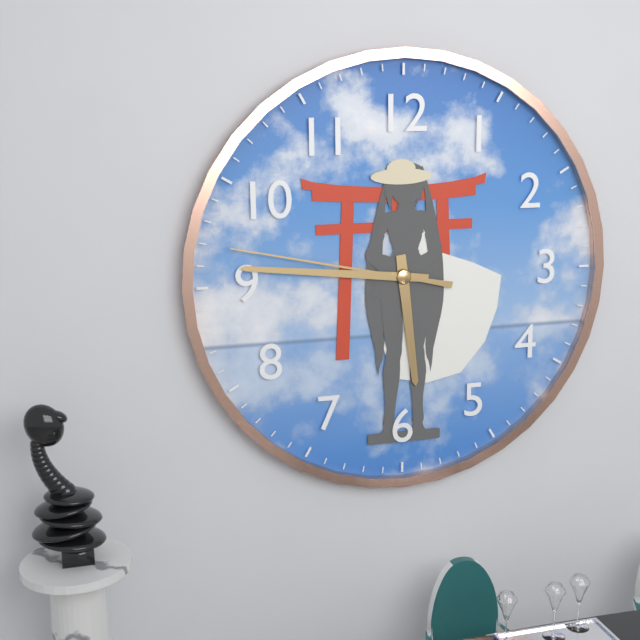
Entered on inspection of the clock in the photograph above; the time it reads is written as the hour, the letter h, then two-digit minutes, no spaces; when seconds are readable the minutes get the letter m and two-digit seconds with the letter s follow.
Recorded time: 5h46m47s
